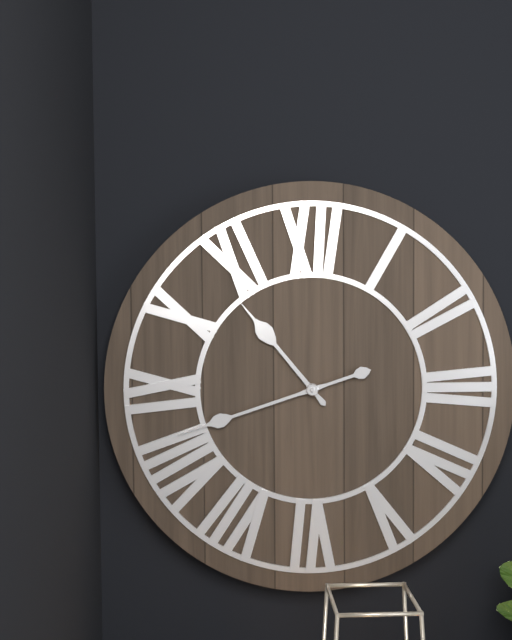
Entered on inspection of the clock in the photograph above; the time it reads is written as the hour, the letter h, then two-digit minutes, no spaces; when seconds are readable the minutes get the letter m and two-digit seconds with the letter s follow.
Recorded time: 10h42
